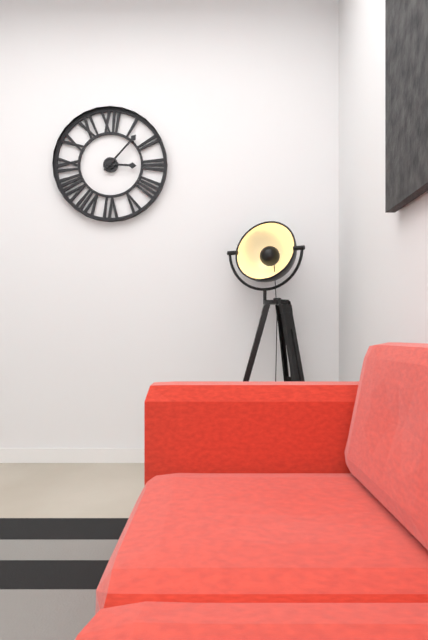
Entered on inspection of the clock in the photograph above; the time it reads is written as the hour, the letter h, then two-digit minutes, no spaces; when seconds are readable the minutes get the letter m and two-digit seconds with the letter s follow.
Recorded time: 3h07
